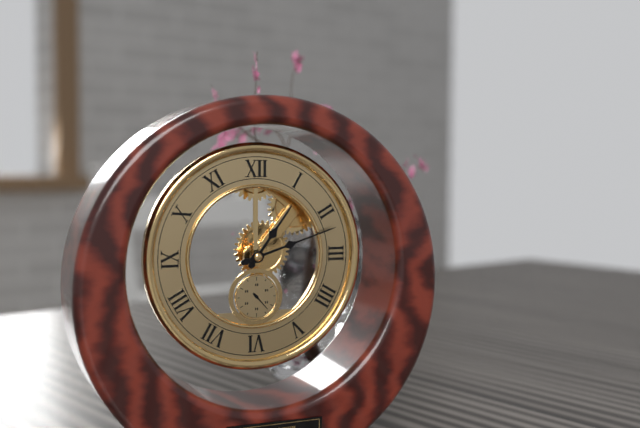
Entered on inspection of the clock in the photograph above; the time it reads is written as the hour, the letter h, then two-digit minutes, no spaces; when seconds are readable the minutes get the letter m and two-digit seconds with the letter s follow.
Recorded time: 1h12
